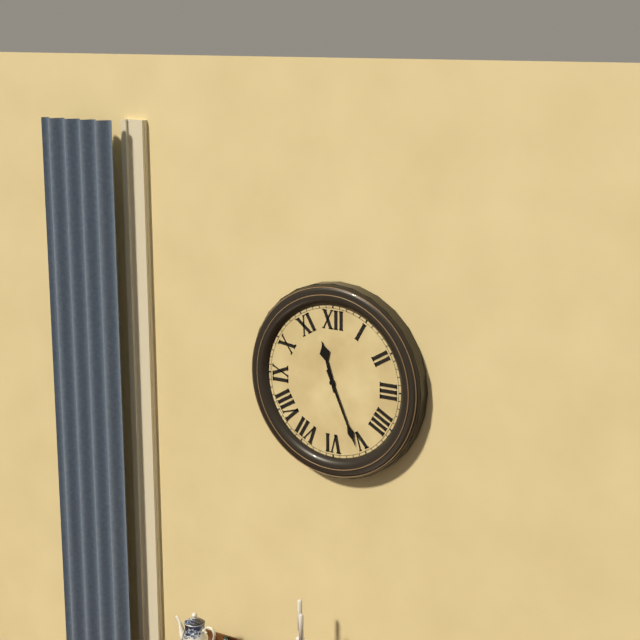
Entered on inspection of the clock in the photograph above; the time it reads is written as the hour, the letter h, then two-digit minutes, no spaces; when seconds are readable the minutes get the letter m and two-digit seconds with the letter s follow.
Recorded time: 11h26
